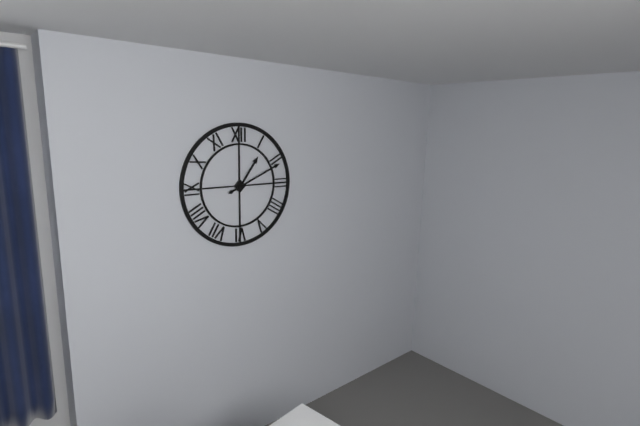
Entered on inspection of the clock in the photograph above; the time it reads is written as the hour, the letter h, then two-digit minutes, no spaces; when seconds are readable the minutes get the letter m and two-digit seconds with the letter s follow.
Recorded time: 1h11
